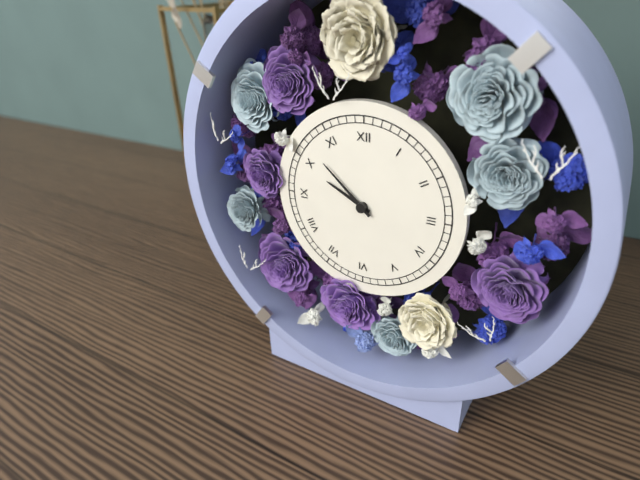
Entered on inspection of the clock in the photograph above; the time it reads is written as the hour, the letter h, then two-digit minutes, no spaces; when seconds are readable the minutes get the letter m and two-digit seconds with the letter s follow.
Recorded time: 9h52
